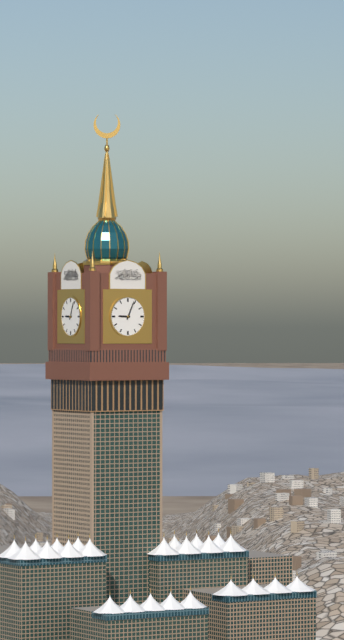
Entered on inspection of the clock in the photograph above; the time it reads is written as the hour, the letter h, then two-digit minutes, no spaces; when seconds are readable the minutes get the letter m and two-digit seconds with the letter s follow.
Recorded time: 9h04
